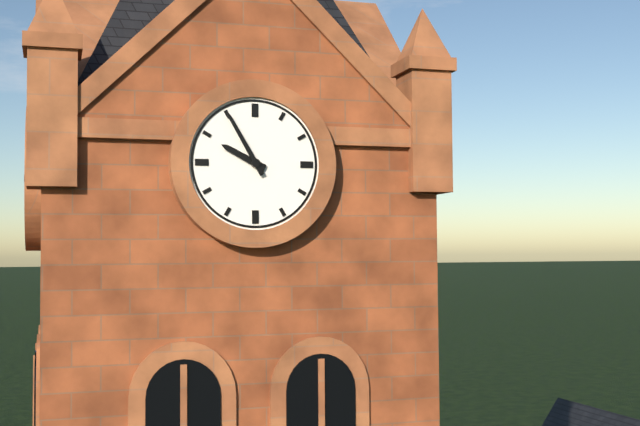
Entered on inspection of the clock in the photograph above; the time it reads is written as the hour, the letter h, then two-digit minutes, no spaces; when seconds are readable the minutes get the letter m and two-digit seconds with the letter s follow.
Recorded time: 9h55
